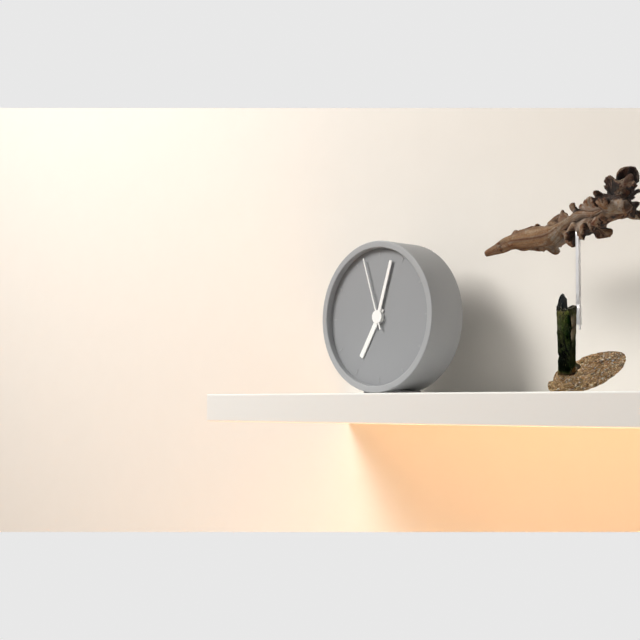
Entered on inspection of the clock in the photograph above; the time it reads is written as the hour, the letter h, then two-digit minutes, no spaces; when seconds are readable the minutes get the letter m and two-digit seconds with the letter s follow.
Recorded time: 7h03m57s
